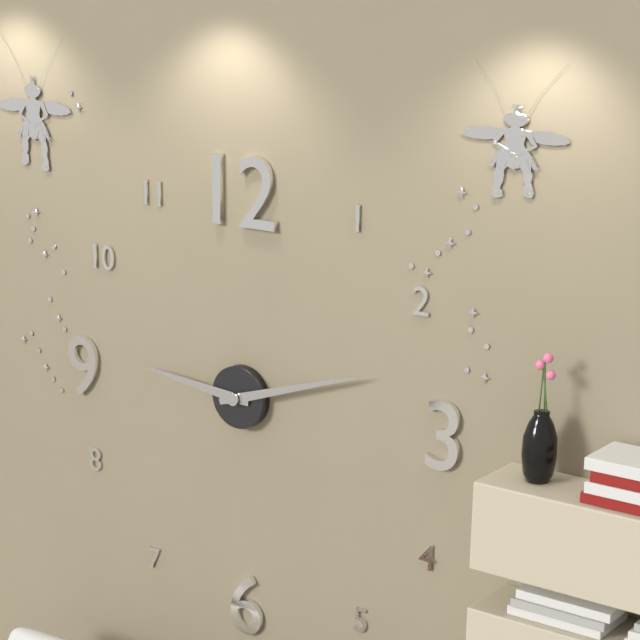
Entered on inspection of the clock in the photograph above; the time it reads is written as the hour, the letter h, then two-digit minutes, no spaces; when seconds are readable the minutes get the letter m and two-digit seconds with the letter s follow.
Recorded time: 9h12
